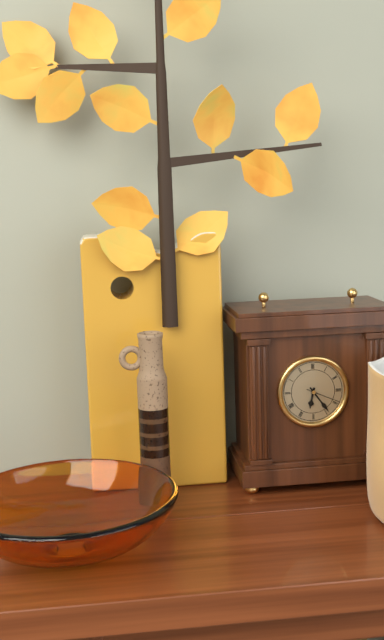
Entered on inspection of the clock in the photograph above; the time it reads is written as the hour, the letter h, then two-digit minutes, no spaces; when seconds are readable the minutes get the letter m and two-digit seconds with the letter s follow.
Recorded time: 6h24
